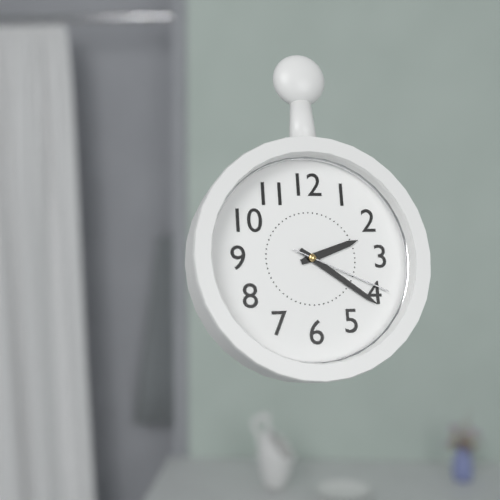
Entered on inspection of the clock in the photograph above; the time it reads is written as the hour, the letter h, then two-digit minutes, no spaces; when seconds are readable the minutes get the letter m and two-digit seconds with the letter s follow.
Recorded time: 2h21m19s
